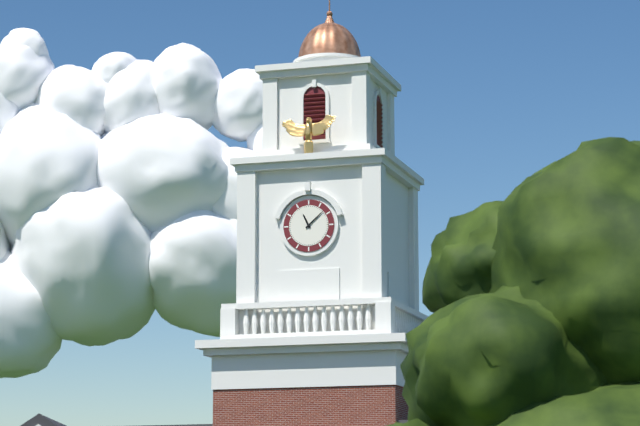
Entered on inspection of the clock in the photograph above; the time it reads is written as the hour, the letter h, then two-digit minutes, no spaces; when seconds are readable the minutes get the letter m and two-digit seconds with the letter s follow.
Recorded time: 11h08
